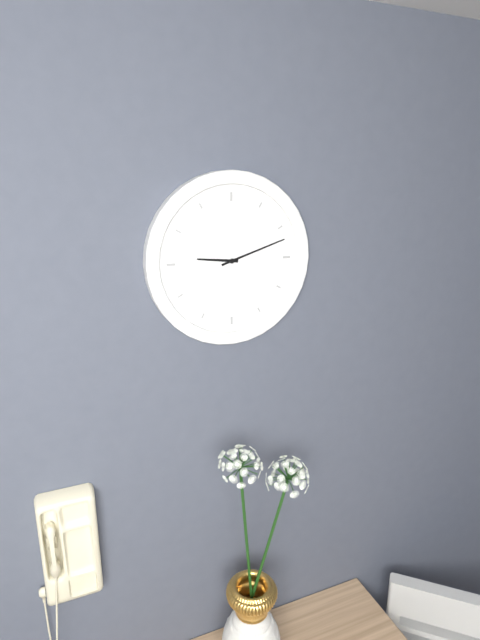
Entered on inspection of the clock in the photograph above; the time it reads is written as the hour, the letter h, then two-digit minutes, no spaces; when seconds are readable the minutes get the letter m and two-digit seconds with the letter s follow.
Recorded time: 9h12
